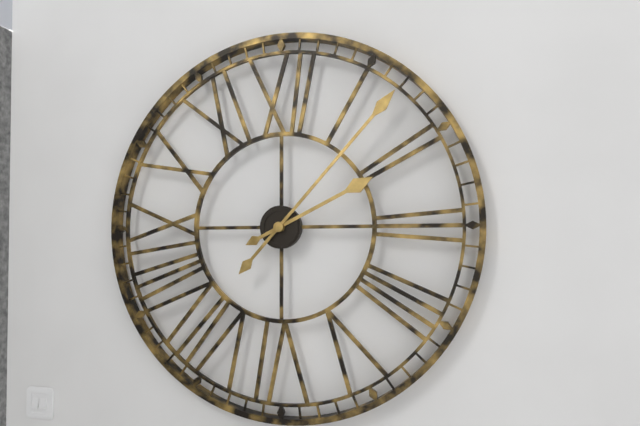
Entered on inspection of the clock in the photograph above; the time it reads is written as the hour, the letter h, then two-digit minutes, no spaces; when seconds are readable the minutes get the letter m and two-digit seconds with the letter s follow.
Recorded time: 2h07
